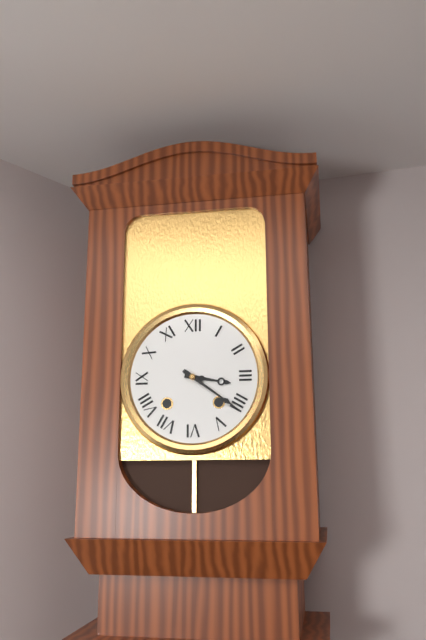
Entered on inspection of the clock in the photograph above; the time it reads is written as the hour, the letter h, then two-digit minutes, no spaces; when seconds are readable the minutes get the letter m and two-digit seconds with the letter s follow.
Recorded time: 3h21
